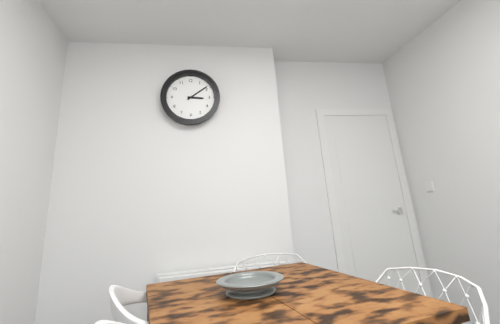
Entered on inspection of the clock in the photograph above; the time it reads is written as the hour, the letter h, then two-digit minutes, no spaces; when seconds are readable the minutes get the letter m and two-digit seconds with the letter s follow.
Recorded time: 3h09
